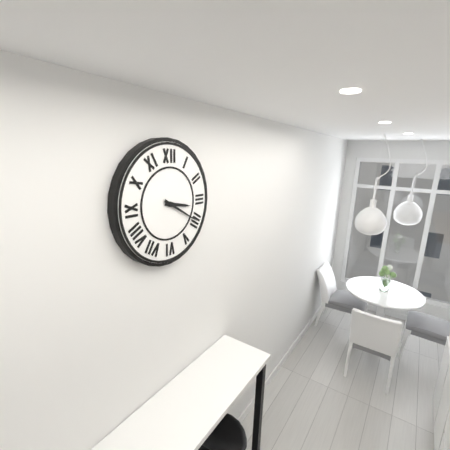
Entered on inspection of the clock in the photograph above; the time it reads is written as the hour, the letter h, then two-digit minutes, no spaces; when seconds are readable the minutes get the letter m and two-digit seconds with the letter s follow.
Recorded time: 3h20
